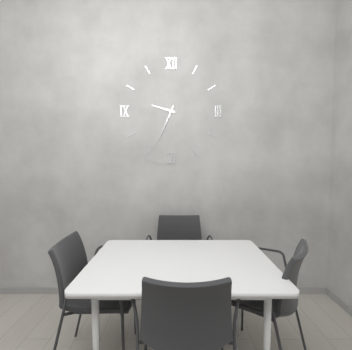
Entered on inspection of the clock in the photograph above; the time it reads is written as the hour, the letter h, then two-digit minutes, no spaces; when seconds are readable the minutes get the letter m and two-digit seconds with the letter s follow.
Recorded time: 9h34
